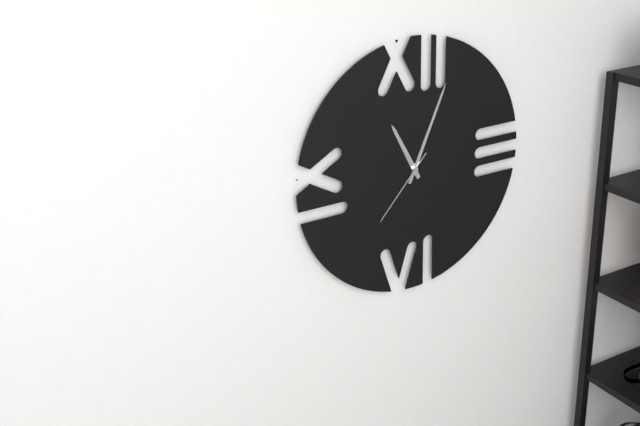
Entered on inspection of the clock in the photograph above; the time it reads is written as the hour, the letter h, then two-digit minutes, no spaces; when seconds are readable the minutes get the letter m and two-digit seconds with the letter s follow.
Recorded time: 11h04m37s
